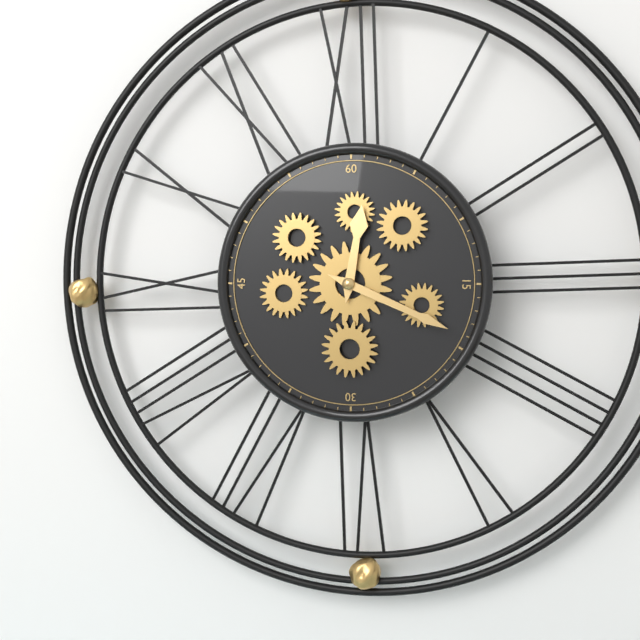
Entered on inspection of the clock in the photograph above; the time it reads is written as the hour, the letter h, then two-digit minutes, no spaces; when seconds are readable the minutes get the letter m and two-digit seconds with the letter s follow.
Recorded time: 12h19
